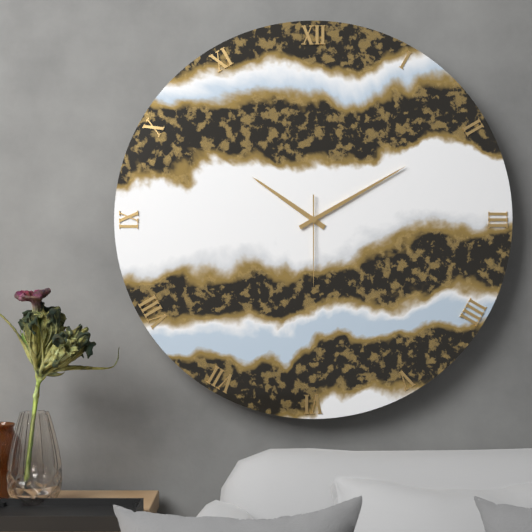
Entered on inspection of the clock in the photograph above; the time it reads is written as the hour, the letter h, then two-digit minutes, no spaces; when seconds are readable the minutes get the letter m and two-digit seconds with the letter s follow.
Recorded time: 10h10m30s
